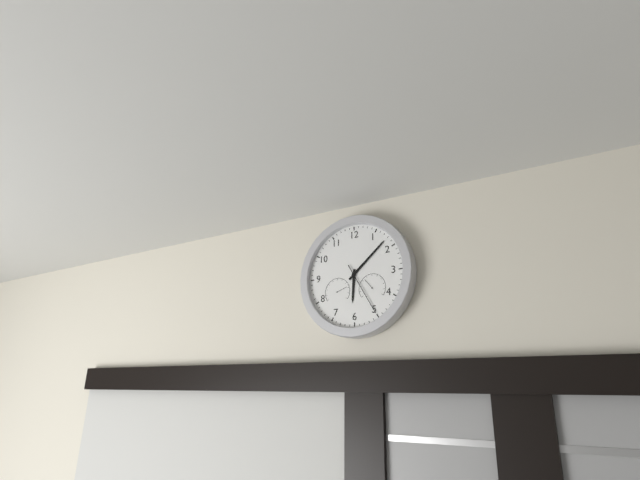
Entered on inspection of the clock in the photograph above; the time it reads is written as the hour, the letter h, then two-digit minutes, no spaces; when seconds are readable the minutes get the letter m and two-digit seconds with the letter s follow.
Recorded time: 6h08m25s
